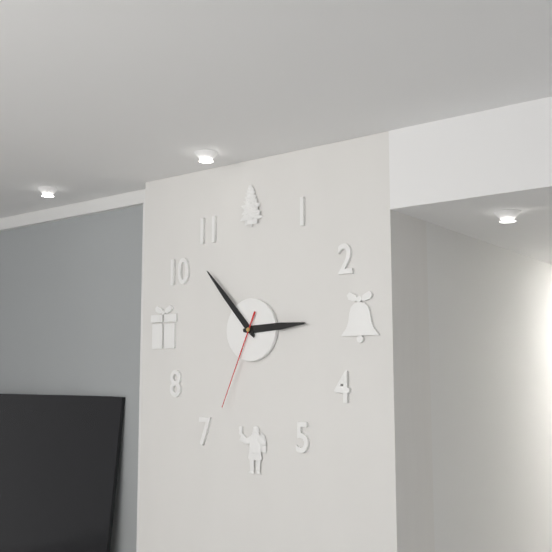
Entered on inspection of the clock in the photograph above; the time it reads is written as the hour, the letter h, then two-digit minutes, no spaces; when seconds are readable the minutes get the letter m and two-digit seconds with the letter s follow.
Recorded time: 2h53m34s
